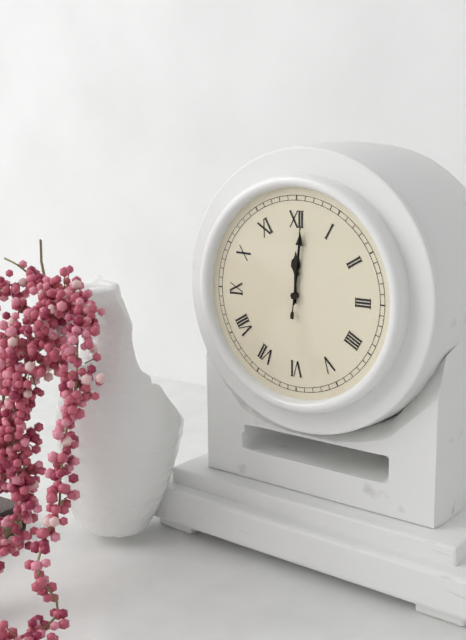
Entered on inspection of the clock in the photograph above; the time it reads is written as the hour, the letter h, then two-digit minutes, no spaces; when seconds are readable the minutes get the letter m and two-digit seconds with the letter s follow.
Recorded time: 12h01m01s
